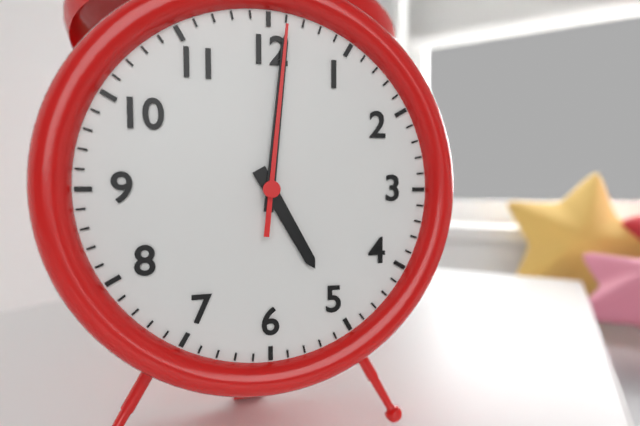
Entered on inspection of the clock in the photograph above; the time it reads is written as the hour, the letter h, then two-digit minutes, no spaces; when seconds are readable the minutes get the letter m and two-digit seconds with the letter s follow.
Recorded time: 5h01m01s
